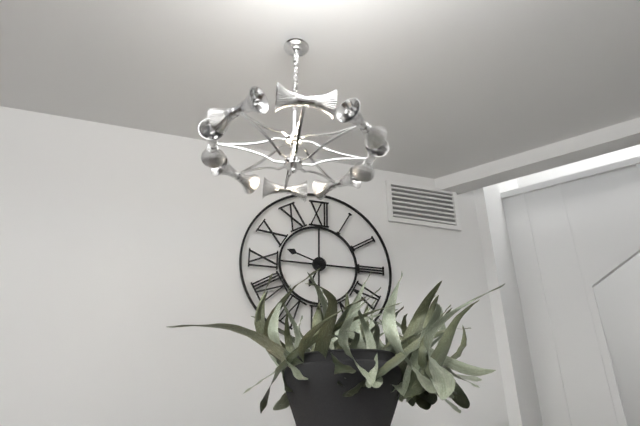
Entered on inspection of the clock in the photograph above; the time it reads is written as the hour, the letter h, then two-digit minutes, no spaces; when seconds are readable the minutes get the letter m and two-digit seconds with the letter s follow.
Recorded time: 6h48
